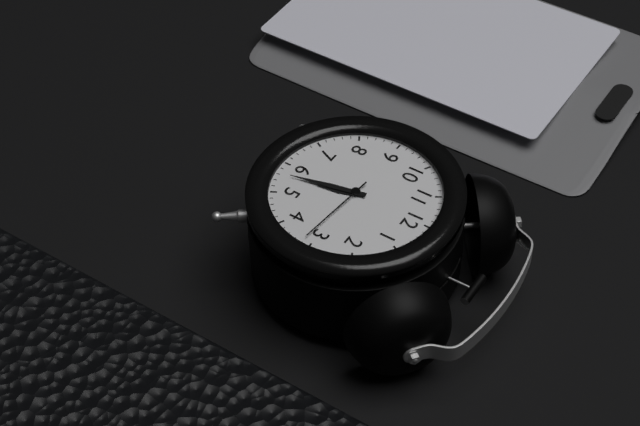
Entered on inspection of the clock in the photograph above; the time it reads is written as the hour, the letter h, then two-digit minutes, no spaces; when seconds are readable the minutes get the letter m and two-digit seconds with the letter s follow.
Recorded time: 5h28m16s
